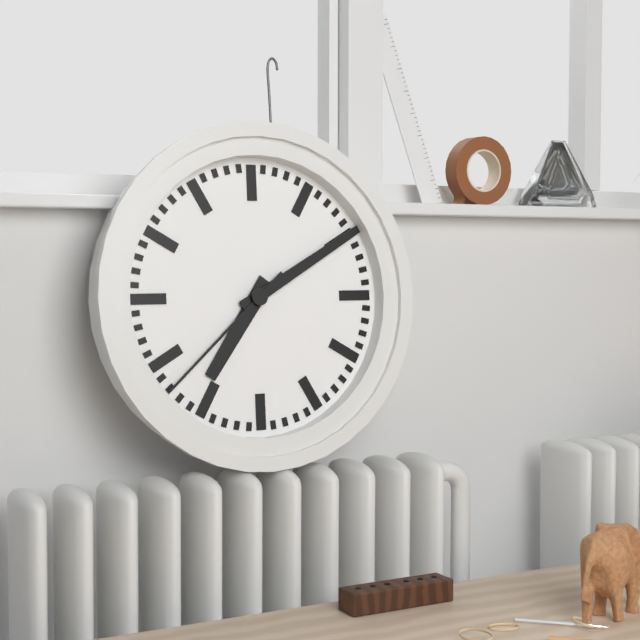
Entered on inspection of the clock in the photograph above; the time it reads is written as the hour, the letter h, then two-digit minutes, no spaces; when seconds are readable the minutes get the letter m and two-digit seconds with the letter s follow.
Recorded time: 7h10m38s
